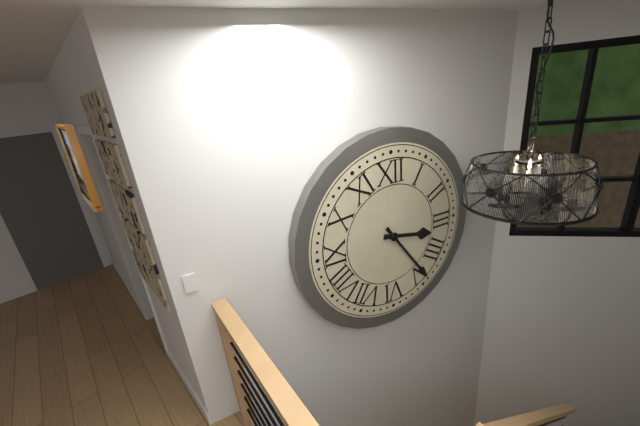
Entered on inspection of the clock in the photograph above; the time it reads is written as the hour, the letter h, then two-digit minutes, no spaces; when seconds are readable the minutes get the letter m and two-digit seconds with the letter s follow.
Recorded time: 3h24
